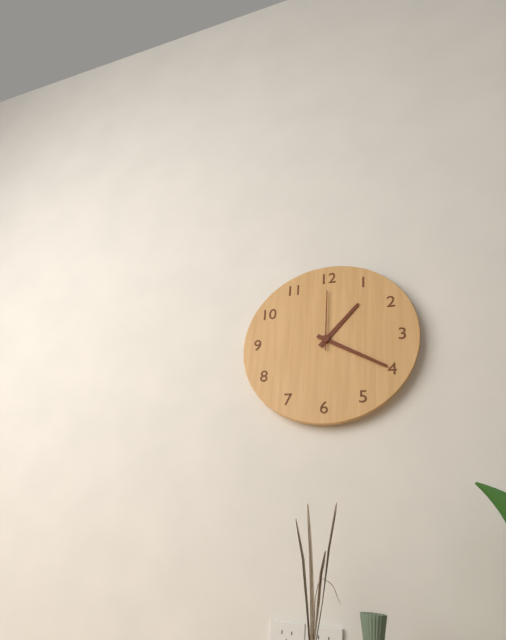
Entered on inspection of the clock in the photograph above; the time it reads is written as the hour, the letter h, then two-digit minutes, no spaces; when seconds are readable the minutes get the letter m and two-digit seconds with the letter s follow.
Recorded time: 1h20m00s
